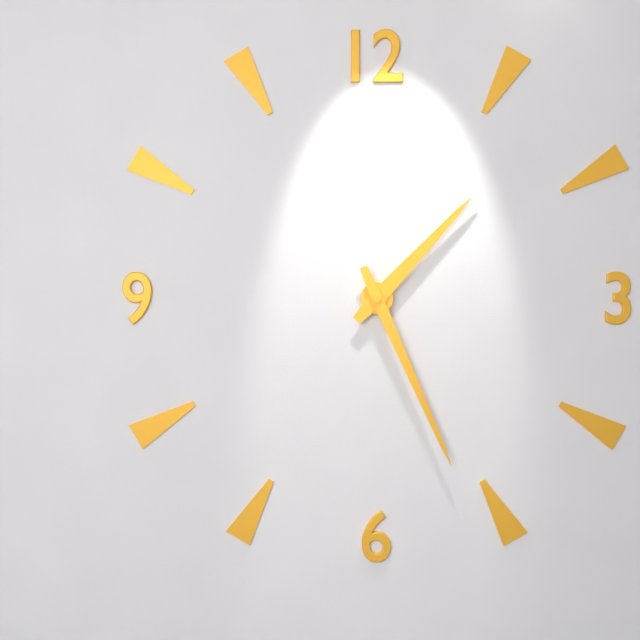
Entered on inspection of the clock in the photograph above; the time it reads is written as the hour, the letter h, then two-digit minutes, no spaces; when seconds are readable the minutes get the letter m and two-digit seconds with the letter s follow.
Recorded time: 1h26
